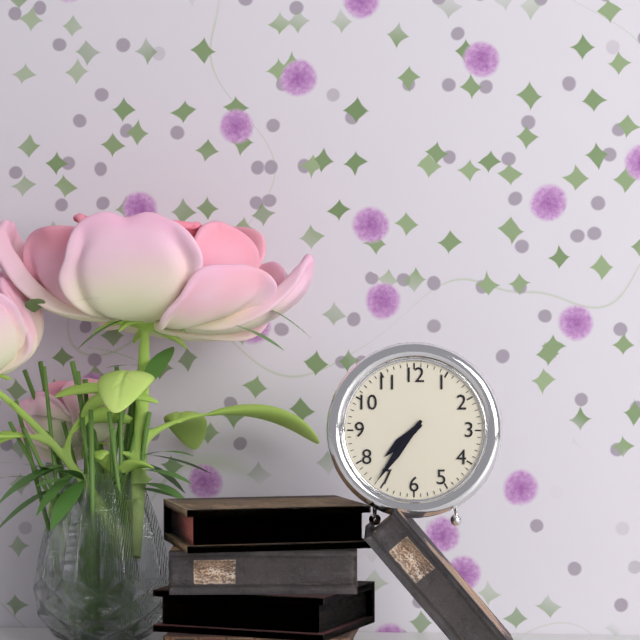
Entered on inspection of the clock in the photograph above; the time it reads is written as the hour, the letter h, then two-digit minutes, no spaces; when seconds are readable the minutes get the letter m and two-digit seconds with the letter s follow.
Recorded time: 7h36
